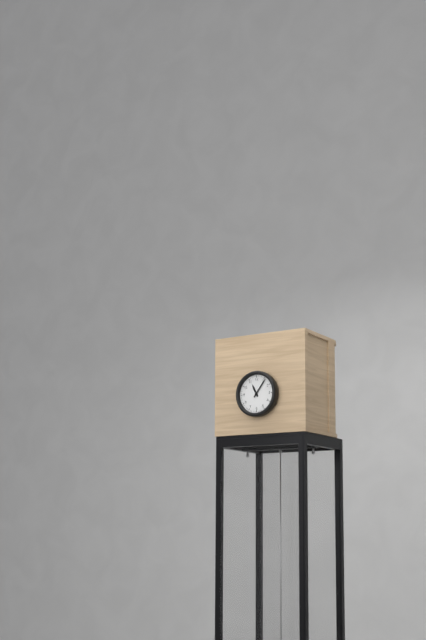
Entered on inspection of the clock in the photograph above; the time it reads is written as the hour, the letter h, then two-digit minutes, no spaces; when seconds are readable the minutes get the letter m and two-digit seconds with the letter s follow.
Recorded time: 11h06
